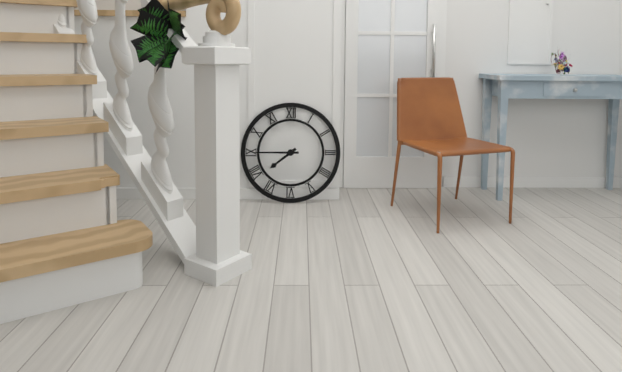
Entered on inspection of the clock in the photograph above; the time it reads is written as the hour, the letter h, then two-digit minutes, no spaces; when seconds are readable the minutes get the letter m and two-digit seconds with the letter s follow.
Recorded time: 7h45
